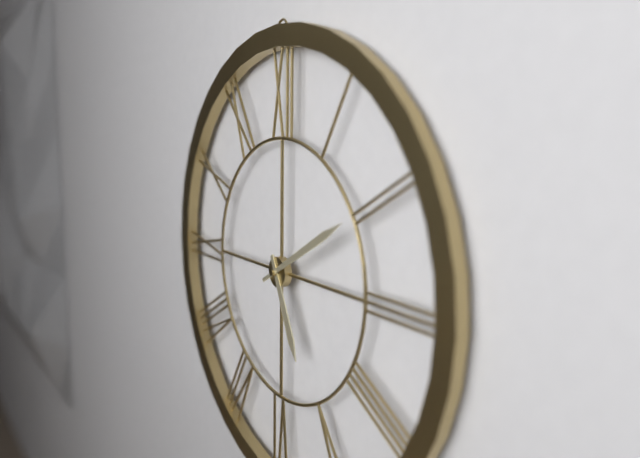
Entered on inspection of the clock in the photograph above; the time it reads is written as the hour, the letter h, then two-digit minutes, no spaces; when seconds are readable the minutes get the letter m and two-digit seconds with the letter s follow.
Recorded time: 5h10
